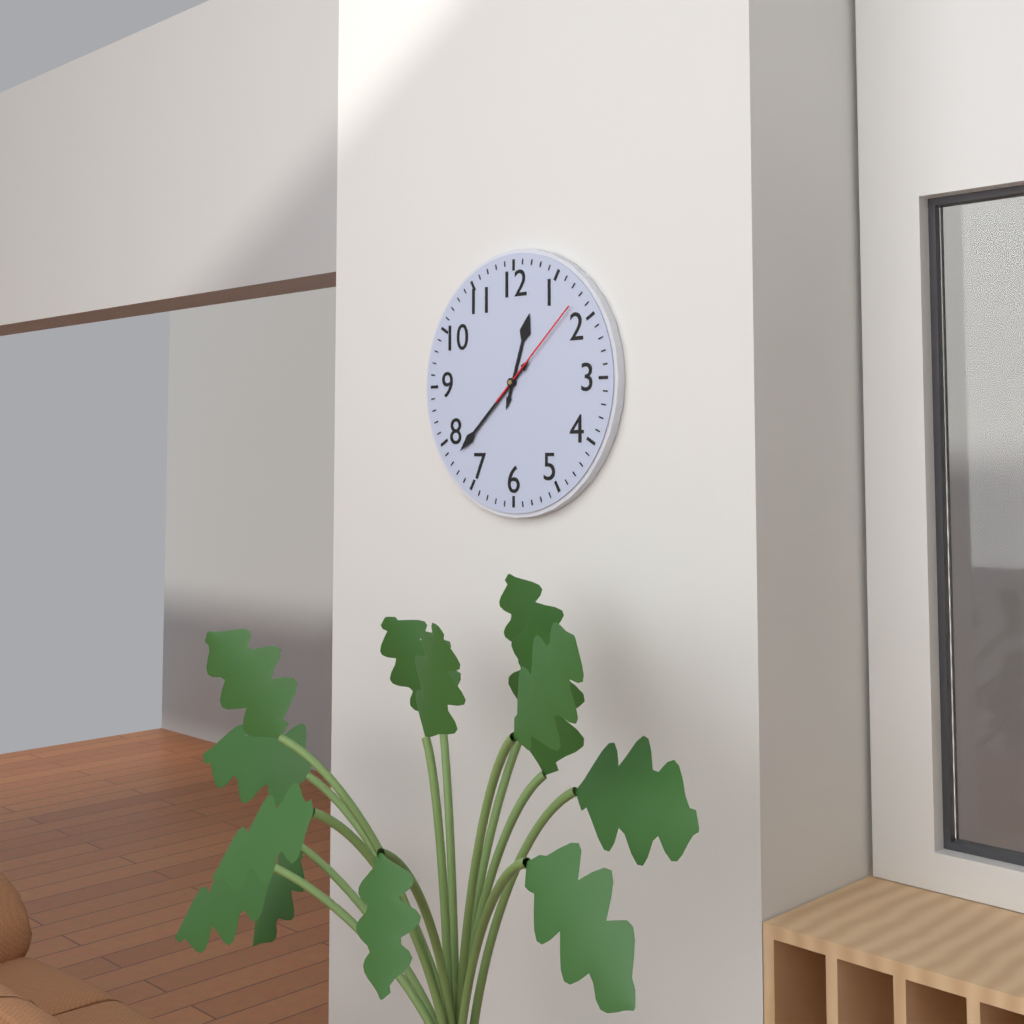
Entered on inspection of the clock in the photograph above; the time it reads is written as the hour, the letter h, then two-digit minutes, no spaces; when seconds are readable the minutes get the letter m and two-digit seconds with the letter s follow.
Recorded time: 12h38m08s
